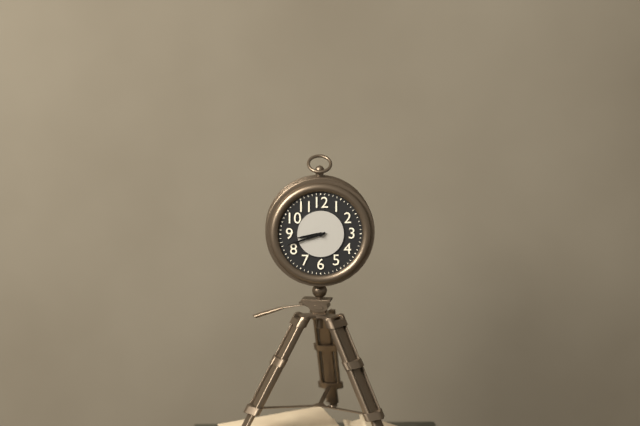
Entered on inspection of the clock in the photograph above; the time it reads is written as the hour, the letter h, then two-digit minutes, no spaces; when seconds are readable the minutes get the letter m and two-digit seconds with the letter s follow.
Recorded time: 8h42
